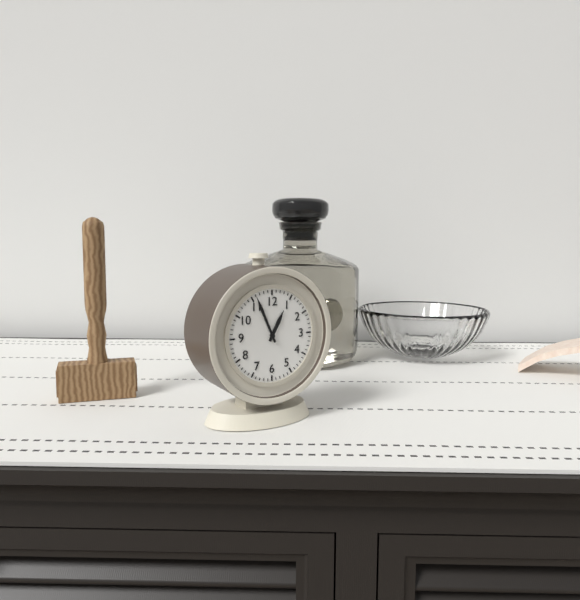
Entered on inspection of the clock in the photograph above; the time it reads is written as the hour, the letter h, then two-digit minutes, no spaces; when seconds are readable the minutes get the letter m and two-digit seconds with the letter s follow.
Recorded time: 12h56
